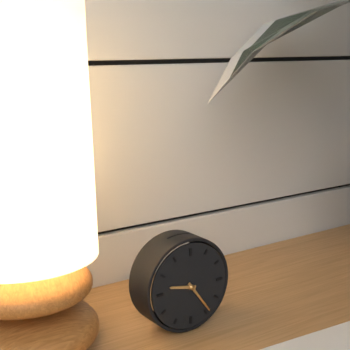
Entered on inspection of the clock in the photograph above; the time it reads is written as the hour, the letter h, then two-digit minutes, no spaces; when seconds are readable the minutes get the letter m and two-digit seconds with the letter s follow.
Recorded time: 9h24
